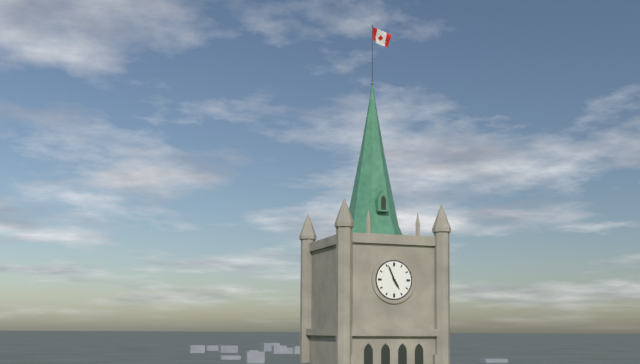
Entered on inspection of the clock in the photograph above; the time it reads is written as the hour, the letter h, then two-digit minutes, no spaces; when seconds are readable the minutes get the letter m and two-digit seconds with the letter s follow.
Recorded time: 4h56
